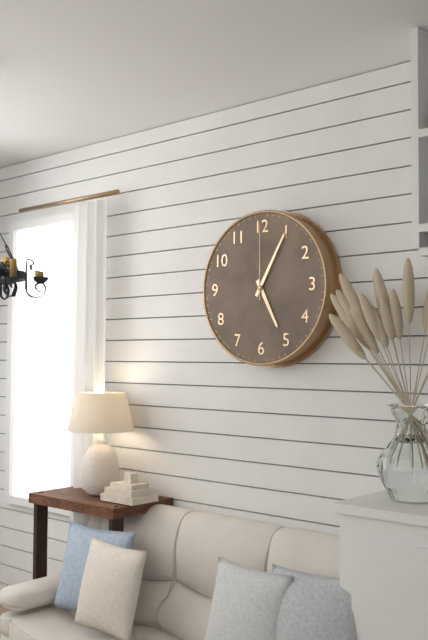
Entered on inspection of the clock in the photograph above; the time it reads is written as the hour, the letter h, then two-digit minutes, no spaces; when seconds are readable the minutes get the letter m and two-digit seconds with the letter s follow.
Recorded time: 5h05m00s
